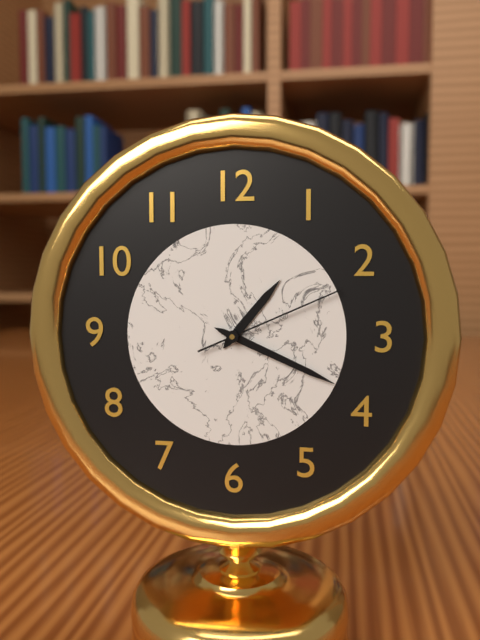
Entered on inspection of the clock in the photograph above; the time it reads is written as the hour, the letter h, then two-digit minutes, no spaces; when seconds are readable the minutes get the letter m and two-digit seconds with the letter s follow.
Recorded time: 1h19m11s
